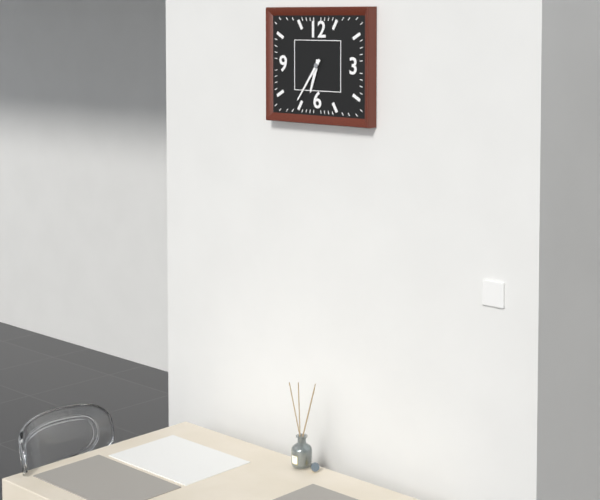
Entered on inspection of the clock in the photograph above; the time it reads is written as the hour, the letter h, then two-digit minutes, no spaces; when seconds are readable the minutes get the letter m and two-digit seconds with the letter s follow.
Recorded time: 6h36
